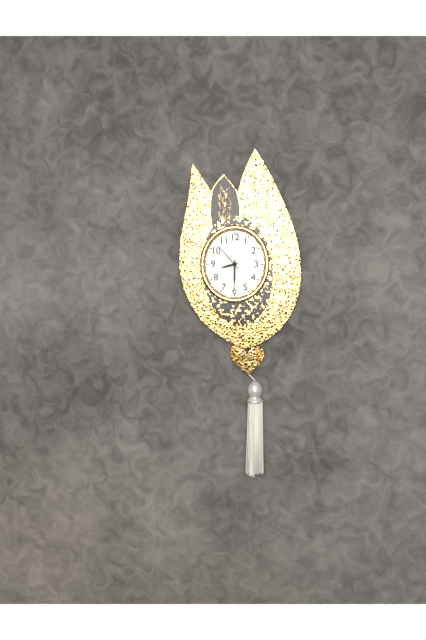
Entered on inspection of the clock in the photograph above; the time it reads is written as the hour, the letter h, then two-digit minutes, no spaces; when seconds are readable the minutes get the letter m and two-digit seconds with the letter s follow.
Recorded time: 8h30
